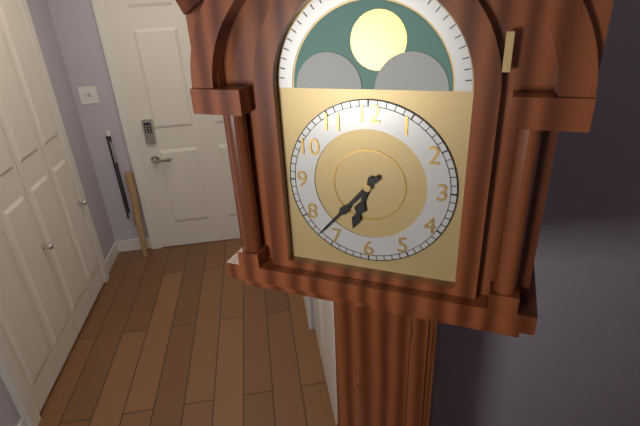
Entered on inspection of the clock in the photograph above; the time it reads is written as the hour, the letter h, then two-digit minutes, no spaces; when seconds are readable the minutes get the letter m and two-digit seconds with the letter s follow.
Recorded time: 6h37
